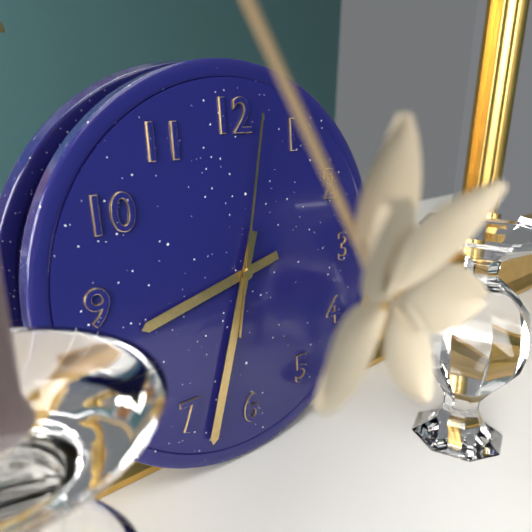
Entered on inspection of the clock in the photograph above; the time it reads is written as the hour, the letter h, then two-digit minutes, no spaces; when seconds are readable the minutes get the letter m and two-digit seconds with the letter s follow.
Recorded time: 8h33m02s
